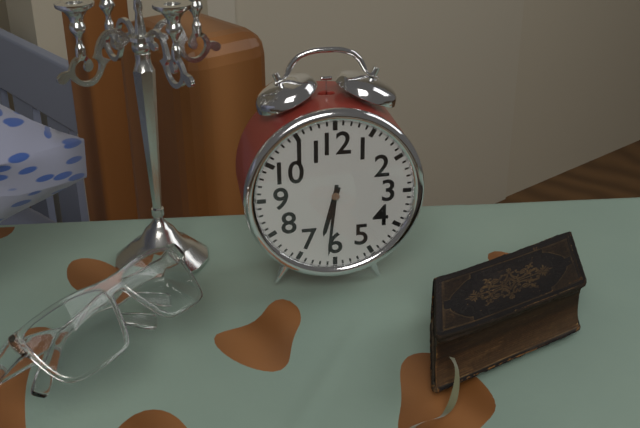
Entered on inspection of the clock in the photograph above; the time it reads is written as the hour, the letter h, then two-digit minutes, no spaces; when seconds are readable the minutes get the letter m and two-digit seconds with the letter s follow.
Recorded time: 6h31
